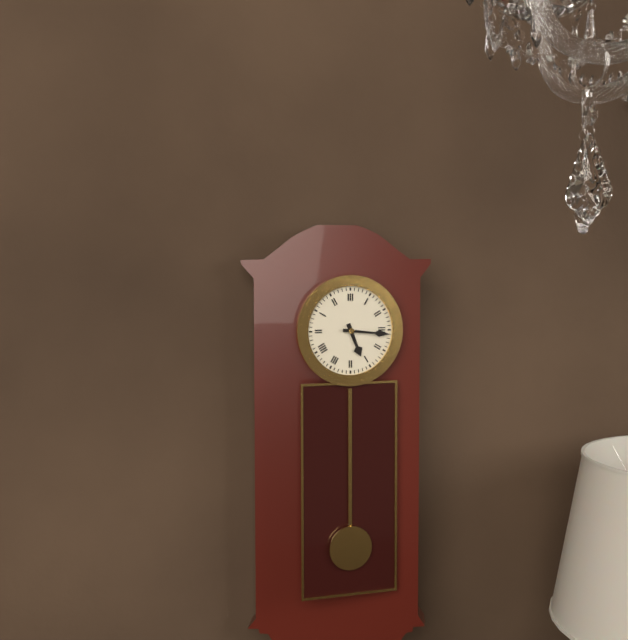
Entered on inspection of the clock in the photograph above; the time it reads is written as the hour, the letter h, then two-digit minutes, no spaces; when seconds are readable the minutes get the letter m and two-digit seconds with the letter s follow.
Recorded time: 5h16
